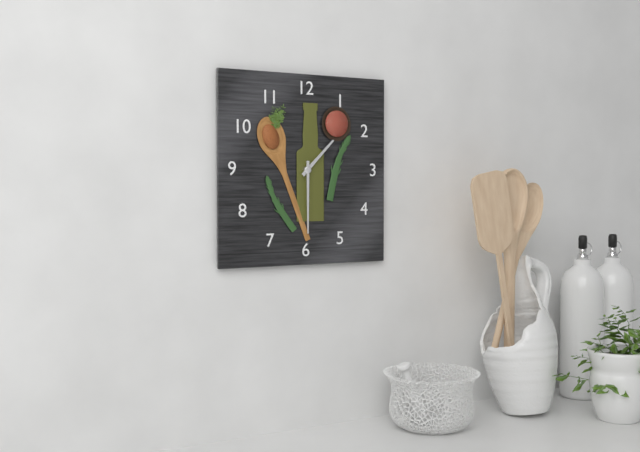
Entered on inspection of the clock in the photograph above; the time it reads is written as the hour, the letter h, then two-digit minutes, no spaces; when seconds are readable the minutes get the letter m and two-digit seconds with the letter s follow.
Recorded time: 1h30
